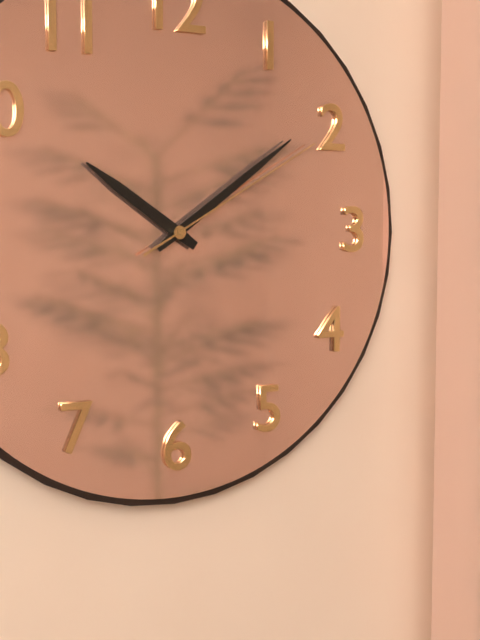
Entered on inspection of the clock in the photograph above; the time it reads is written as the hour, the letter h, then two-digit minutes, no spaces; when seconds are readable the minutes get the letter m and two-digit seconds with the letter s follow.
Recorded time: 10h09m10s
